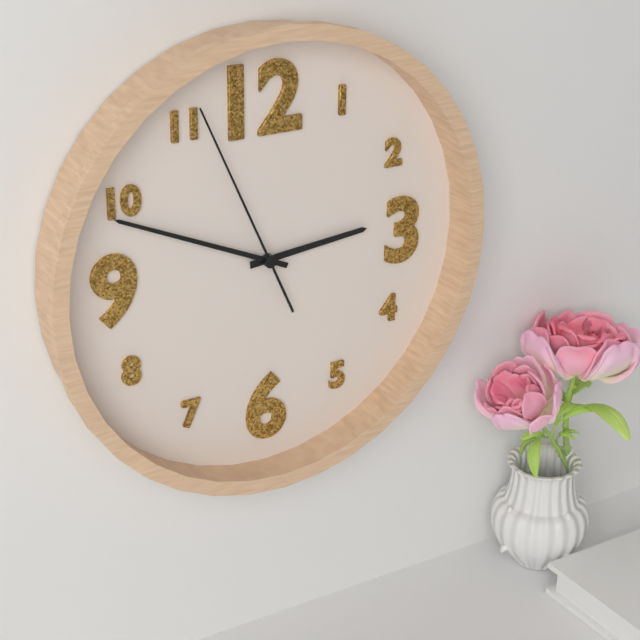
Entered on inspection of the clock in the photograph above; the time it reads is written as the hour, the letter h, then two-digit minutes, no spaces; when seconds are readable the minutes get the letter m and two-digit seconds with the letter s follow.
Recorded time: 2h49m56s
